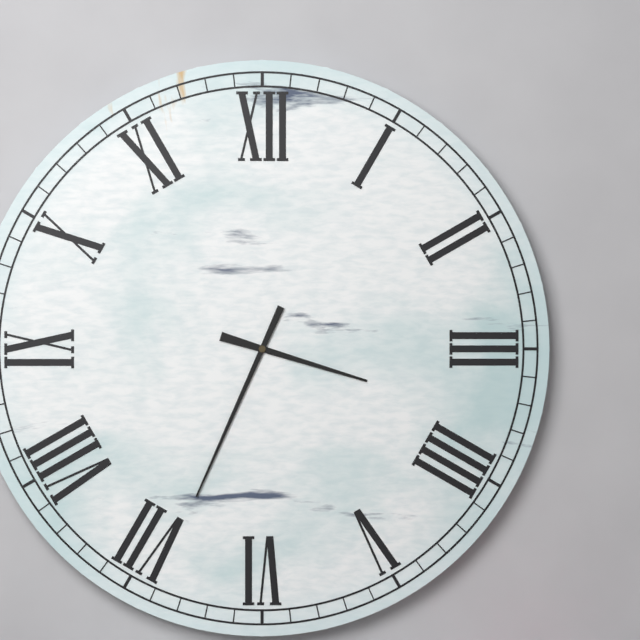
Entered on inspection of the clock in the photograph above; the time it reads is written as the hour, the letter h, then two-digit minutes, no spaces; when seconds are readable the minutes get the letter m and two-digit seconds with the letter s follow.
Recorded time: 3h34
